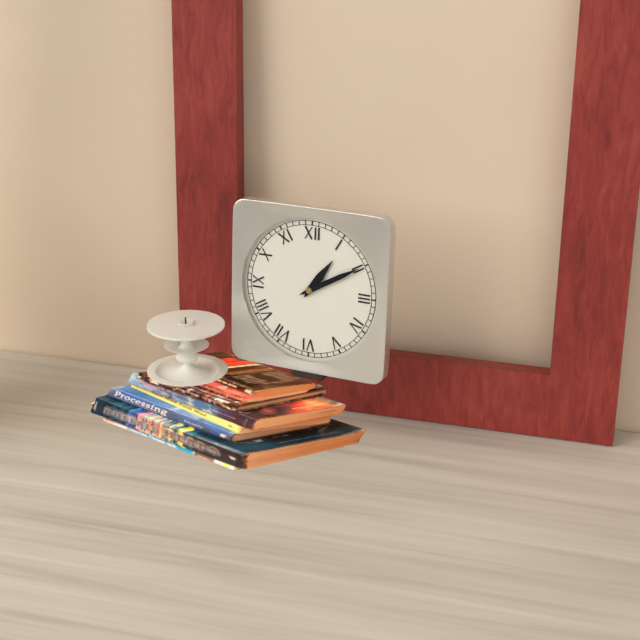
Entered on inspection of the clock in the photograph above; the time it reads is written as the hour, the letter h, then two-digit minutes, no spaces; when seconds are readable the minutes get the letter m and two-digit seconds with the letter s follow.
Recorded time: 1h10
